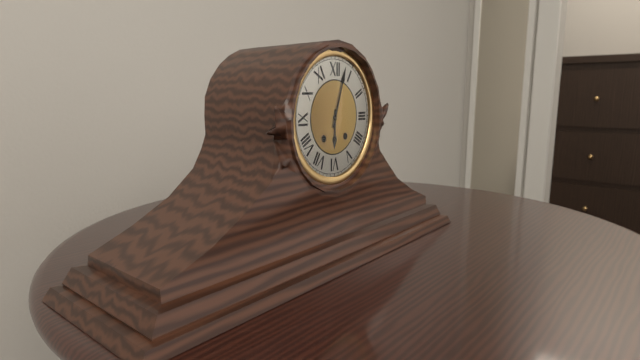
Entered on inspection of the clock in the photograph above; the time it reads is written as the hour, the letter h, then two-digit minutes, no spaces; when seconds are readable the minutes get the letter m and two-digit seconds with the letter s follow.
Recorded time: 6h03
